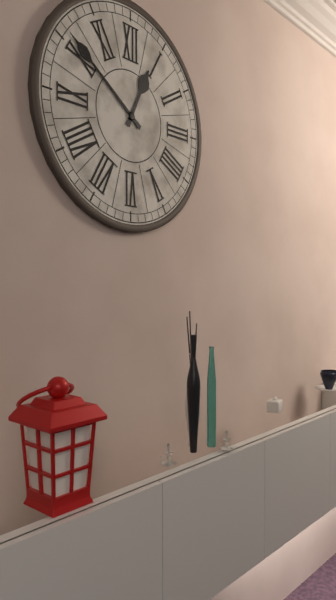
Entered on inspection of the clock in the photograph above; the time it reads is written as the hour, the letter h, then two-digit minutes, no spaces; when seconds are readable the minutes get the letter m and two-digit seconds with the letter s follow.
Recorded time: 12h51
